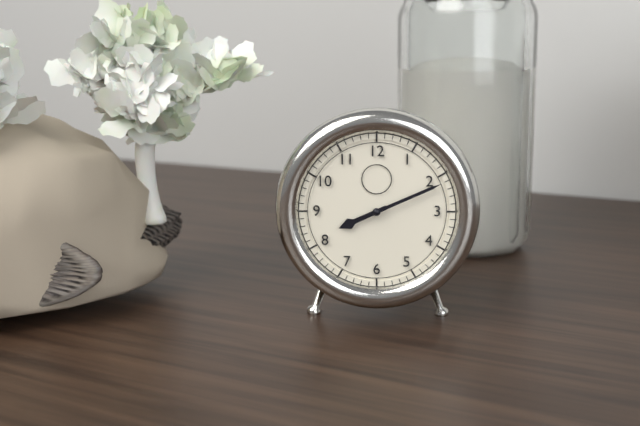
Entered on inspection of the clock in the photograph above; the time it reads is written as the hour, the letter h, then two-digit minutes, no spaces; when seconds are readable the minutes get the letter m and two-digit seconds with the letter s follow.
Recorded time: 8h11
